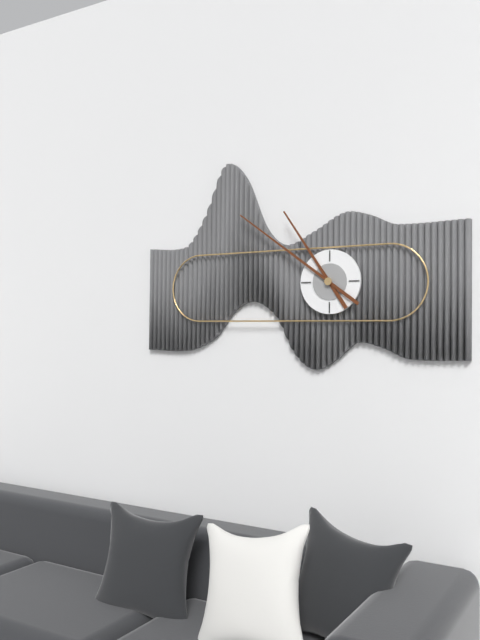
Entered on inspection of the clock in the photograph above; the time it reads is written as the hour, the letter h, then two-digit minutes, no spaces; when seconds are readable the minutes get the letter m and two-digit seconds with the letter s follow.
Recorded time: 10h51
